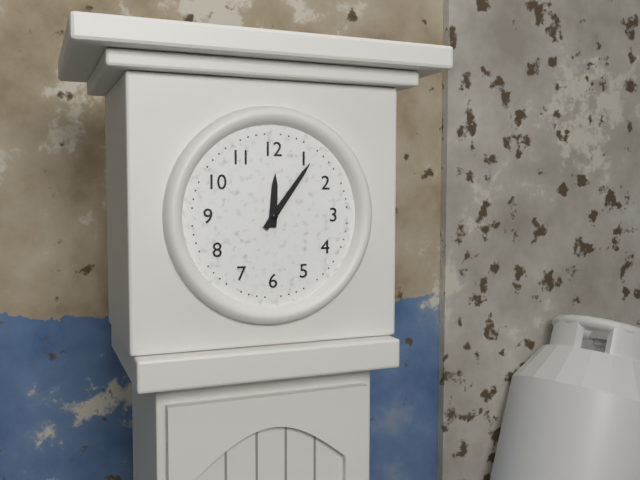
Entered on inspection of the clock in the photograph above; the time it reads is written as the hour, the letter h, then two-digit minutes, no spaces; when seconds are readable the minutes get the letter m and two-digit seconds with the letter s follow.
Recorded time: 12h06
